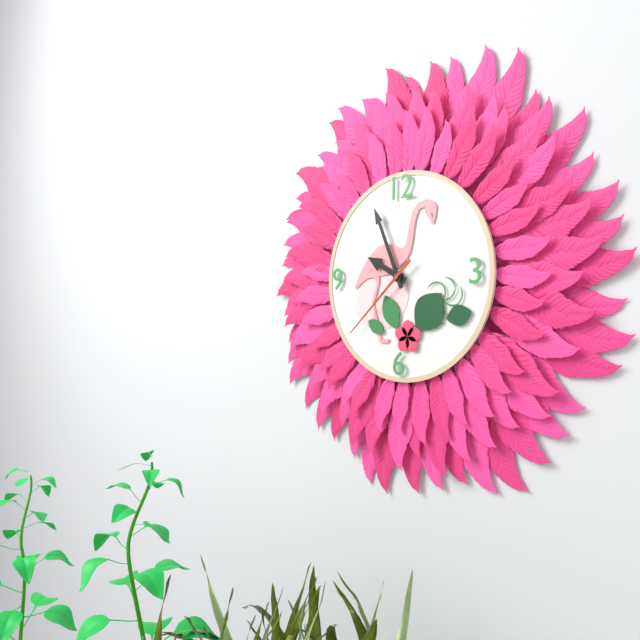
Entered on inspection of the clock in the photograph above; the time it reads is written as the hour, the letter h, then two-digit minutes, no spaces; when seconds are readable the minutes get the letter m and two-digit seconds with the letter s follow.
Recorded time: 9h56m38s
